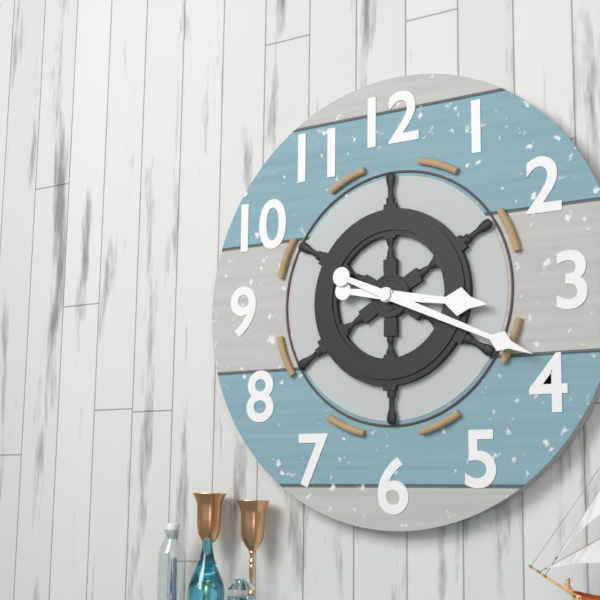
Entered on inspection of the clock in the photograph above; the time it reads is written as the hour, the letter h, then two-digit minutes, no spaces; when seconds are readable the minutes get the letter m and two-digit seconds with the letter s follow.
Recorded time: 3h19
